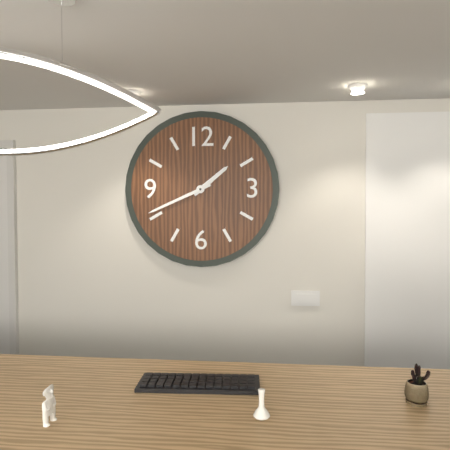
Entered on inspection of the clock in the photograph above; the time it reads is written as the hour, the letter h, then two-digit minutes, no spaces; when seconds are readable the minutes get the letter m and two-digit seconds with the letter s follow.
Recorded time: 1h41
